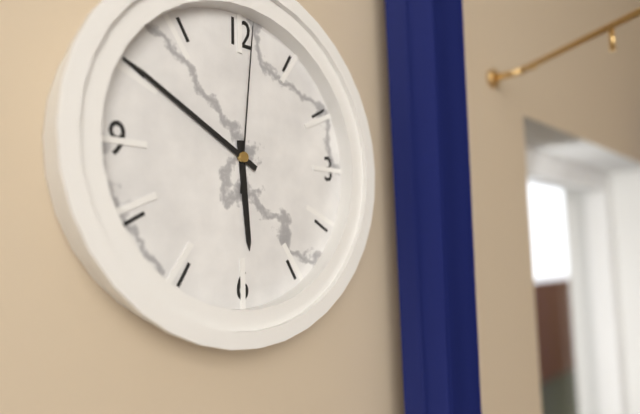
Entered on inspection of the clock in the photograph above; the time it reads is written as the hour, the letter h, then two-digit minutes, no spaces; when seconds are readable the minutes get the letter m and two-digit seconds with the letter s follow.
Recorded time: 5h50m01s
